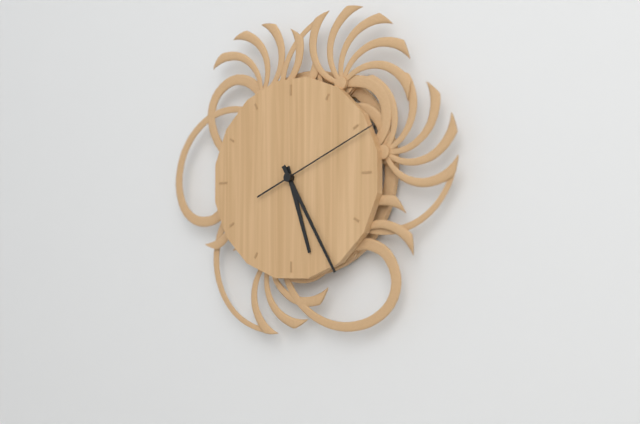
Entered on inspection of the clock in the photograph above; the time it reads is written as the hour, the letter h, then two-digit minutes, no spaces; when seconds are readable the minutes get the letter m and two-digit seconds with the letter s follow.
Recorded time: 5h25m11s
